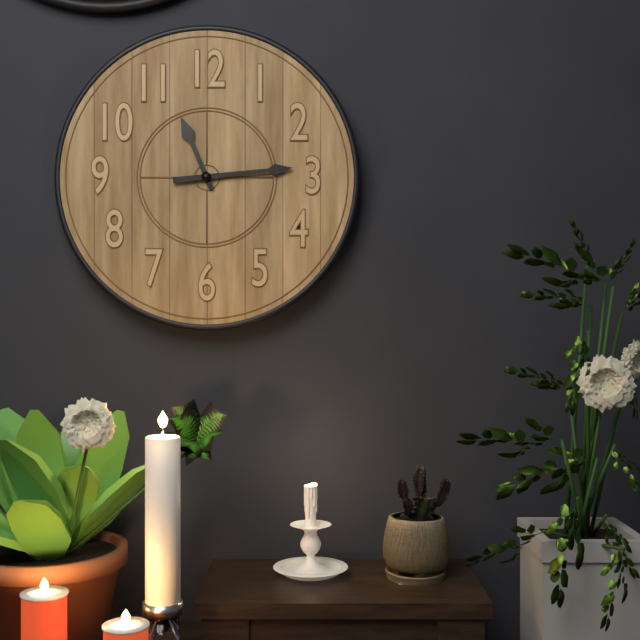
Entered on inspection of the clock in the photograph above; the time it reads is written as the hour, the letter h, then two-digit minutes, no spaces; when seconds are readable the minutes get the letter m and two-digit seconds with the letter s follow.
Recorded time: 11h14
